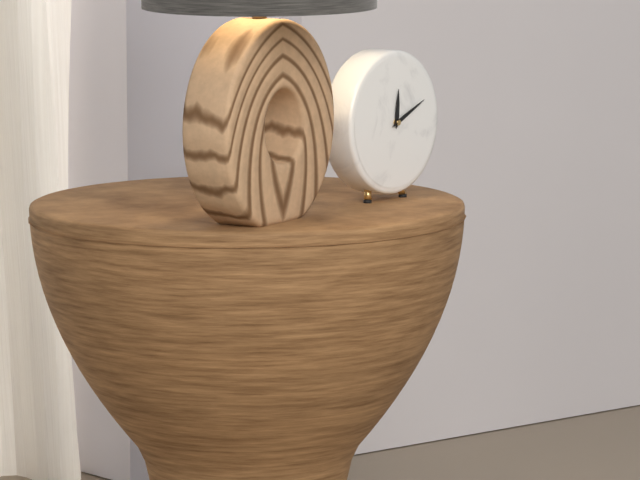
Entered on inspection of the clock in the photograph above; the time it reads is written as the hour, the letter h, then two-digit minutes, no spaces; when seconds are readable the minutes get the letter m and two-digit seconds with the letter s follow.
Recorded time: 12h11
